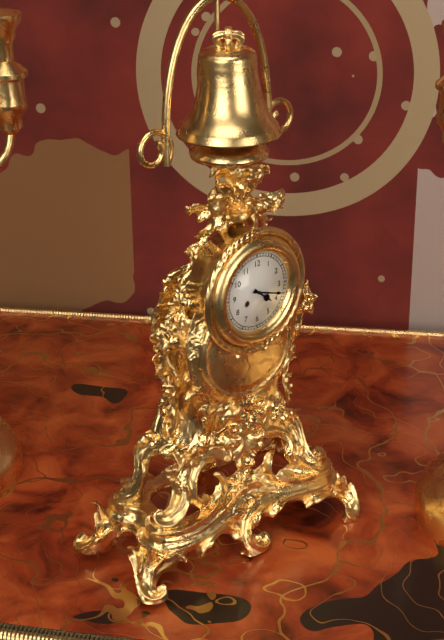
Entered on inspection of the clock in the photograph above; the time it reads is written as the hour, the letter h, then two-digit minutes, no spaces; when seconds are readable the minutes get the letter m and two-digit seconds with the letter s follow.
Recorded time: 4h18
